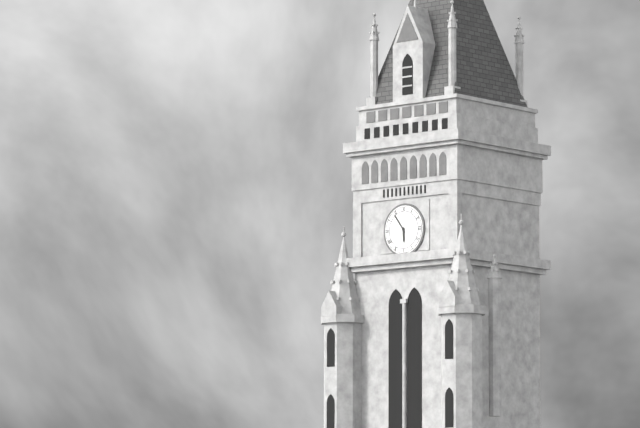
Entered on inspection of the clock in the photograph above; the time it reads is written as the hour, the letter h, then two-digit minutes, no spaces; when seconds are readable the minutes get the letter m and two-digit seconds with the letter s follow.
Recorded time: 5h54
